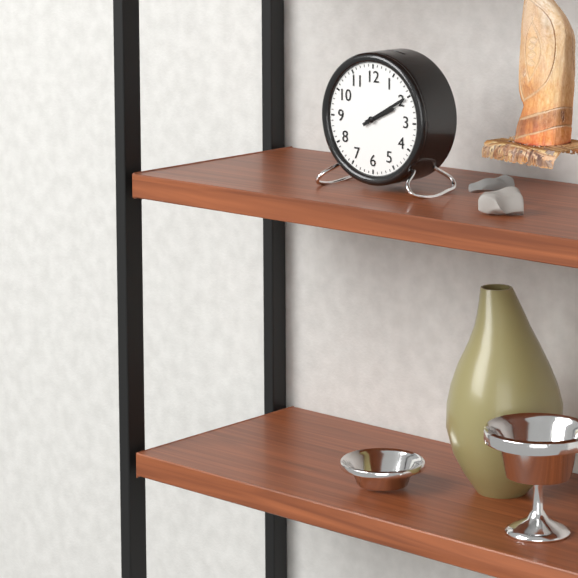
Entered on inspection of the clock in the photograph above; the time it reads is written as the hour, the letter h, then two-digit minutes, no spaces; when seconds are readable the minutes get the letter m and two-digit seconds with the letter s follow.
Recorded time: 2h10
